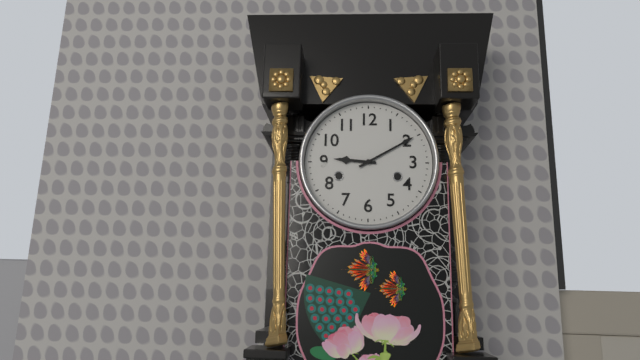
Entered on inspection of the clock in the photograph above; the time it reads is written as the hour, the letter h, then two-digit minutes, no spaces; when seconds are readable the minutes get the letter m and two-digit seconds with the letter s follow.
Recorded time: 9h10
